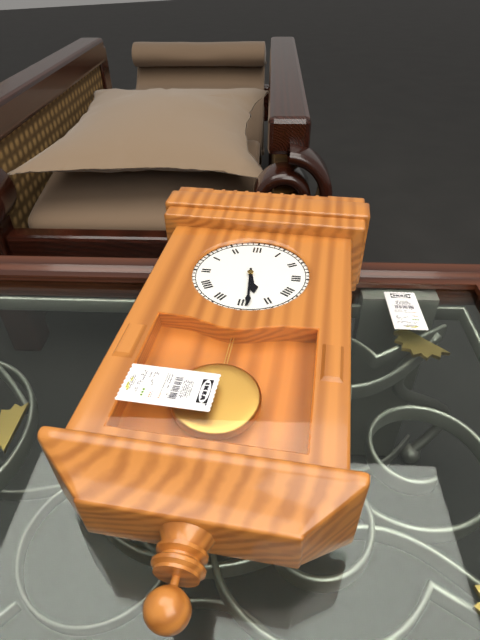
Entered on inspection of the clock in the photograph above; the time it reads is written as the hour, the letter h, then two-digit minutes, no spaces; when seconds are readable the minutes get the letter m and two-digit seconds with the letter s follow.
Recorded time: 5h29
